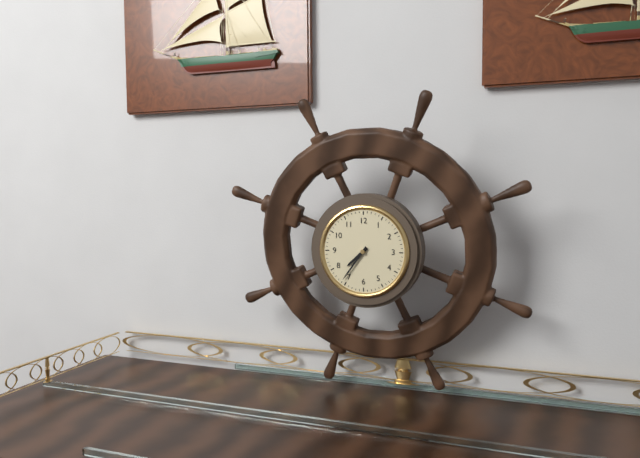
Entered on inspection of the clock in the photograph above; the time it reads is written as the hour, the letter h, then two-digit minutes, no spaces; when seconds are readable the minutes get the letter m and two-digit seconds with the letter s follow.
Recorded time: 7h36
